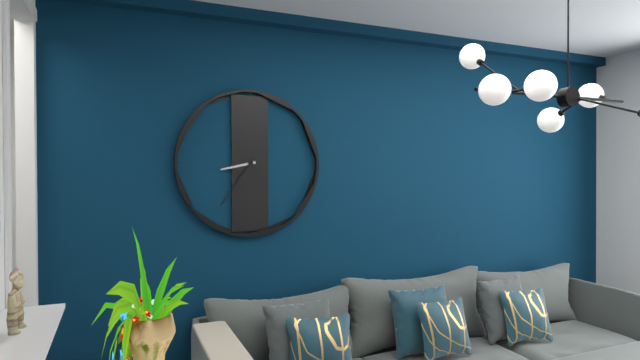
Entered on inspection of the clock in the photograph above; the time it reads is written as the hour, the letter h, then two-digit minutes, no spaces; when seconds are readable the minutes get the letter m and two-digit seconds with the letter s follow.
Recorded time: 8h36
